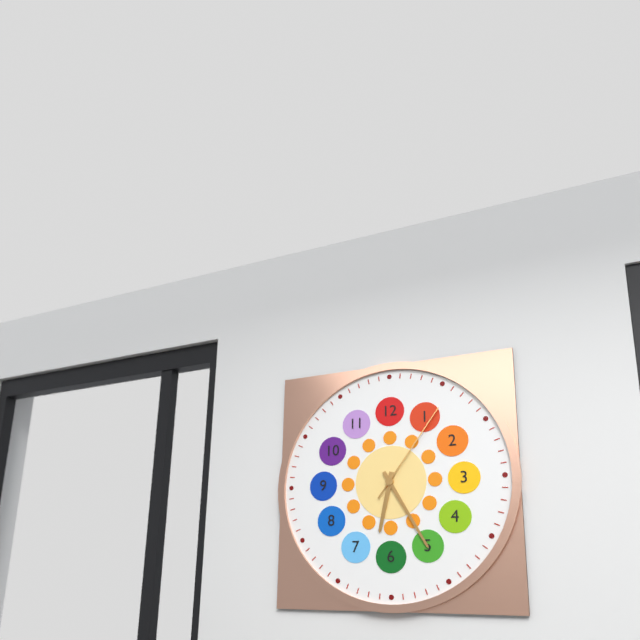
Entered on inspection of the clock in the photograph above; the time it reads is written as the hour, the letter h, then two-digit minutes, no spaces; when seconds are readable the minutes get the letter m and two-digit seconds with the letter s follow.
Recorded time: 6h25m06s
